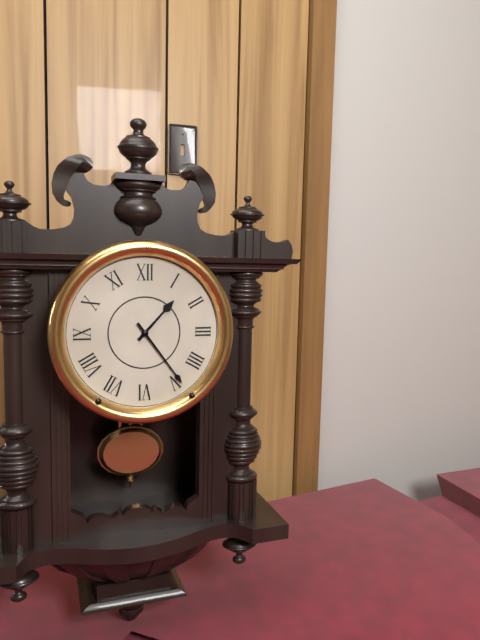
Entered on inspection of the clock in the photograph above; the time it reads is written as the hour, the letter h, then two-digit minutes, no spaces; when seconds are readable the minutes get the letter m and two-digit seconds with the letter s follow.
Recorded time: 1h24
